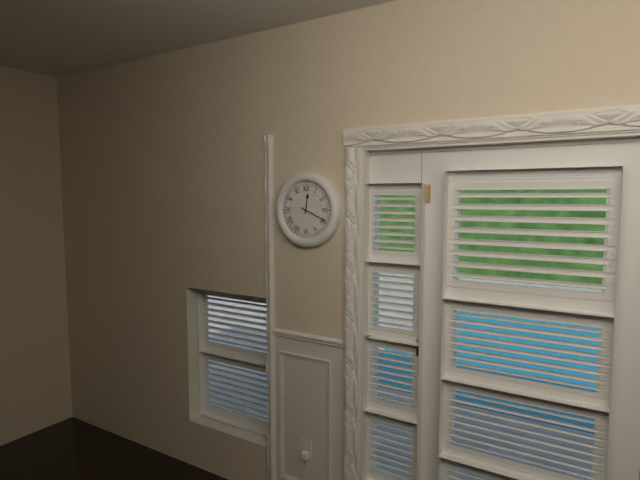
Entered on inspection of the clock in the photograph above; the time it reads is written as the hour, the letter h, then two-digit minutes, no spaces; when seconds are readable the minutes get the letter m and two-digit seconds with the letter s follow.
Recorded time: 12h19
